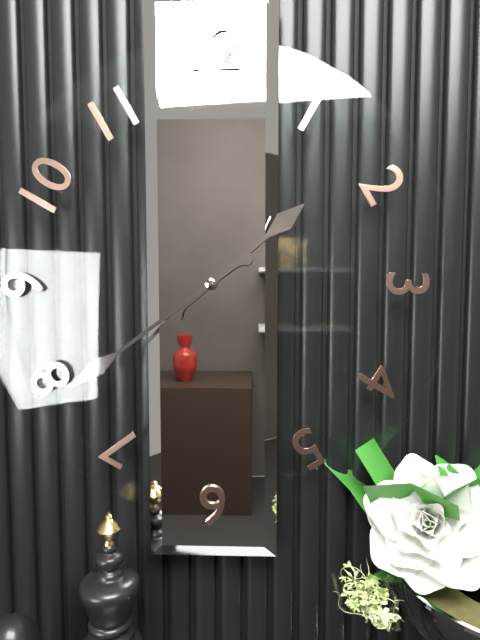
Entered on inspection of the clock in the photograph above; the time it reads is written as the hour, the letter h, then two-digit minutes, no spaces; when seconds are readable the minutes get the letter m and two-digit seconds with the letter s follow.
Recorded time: 1h39
